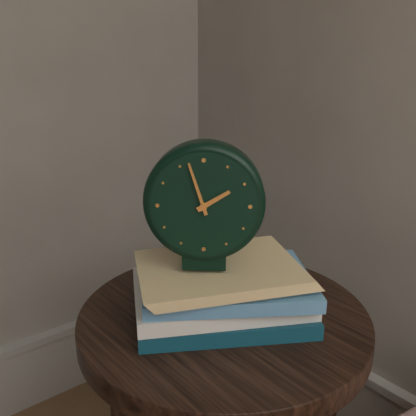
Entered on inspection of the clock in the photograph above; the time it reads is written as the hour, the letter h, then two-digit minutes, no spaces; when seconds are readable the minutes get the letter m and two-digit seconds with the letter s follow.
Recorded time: 1h57
